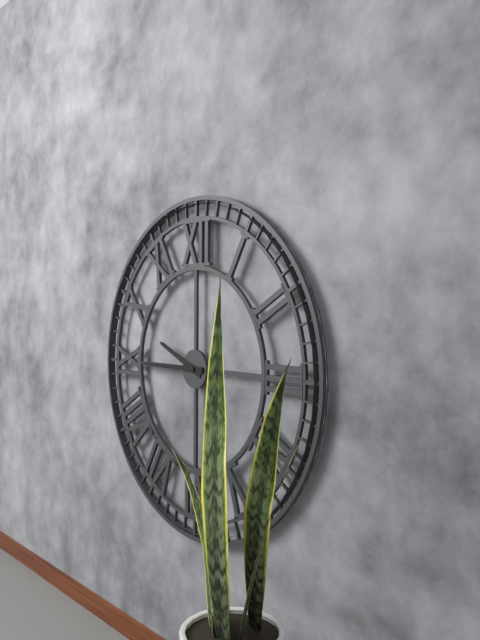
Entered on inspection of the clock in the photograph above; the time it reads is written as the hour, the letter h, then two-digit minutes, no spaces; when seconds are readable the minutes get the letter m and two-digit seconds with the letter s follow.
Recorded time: 9h45
